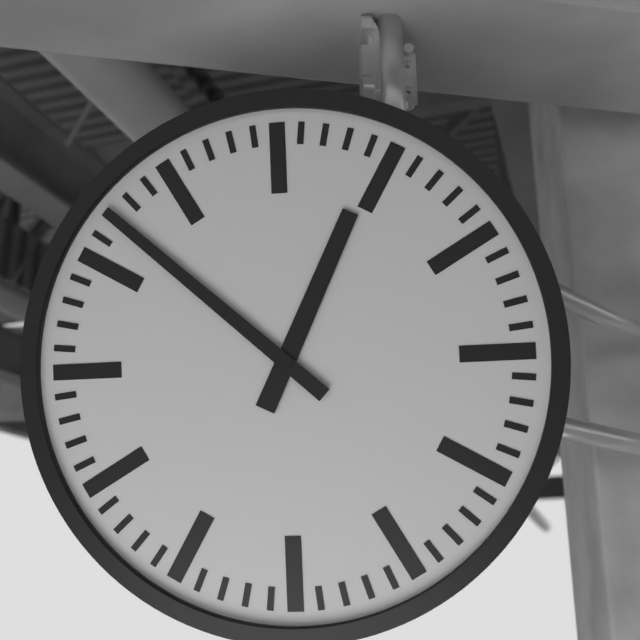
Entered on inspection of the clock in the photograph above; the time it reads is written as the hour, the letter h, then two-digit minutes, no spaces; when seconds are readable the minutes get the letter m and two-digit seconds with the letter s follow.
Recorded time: 12h52
